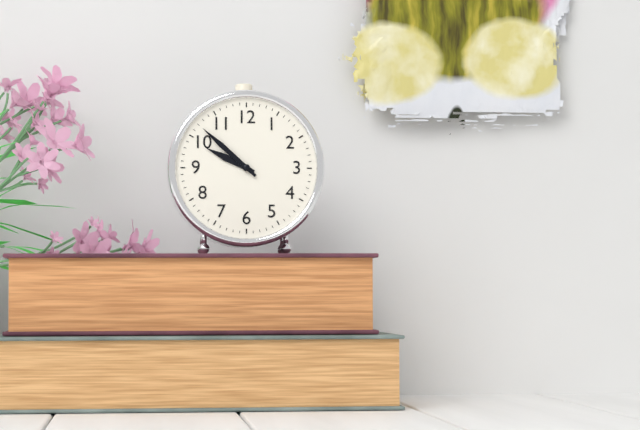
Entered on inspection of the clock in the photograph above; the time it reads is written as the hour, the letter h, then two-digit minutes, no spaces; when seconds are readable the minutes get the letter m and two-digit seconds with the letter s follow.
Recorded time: 9h52
